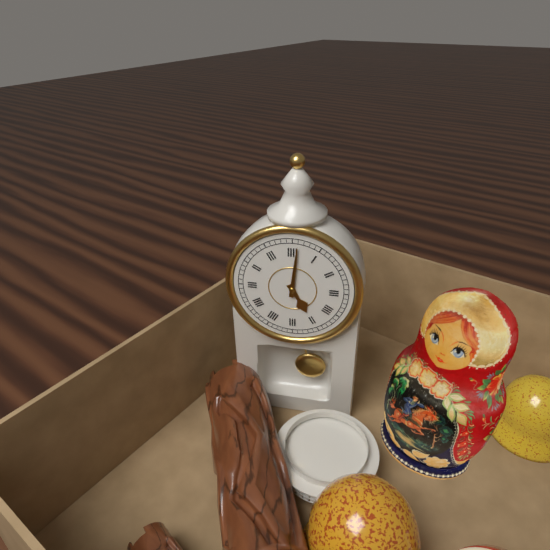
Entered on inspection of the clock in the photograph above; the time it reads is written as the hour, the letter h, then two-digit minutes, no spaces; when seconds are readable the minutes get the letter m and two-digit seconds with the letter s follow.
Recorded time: 5h01
